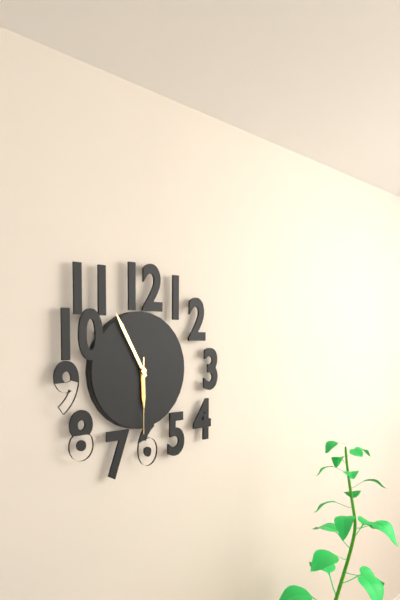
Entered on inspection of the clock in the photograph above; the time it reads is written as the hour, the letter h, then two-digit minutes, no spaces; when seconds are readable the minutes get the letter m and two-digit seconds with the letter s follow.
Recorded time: 5h55m30s
